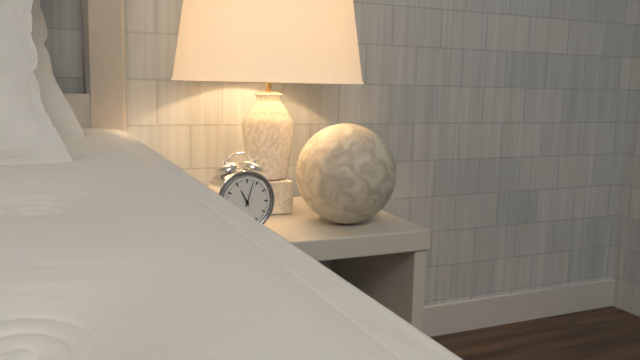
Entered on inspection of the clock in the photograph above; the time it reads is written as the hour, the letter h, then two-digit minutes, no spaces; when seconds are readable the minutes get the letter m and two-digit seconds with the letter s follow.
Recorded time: 11h03
